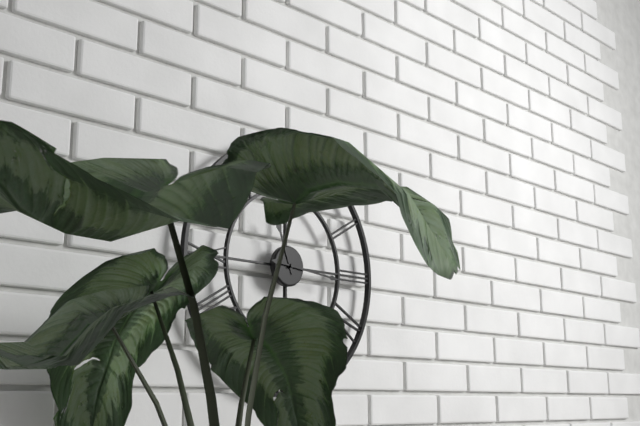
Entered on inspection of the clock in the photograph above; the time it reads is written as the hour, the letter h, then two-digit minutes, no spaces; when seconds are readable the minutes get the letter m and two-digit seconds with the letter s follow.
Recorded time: 11h16
